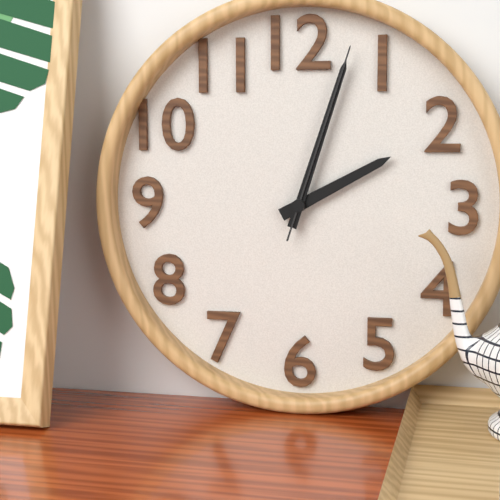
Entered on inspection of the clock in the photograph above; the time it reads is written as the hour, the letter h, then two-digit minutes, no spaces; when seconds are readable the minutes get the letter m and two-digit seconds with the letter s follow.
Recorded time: 2h03m03s
